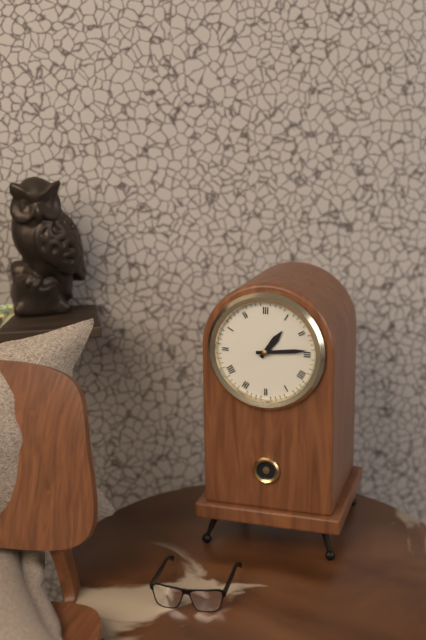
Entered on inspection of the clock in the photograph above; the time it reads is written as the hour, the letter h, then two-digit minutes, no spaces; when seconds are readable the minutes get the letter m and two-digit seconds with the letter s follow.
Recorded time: 1h14
